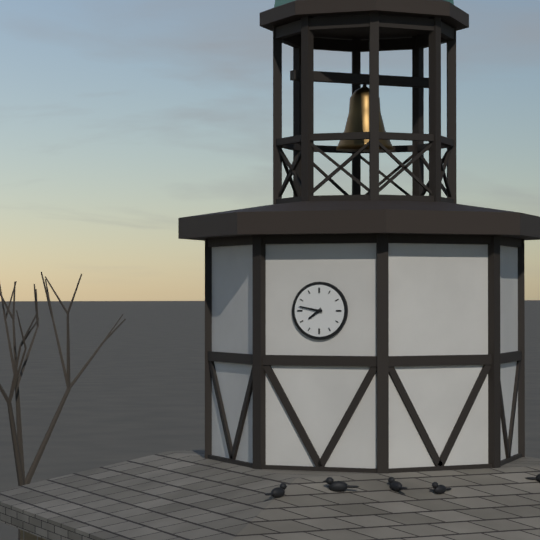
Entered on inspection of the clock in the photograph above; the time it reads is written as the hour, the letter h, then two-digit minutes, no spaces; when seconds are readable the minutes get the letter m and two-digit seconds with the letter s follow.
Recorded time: 7h47
